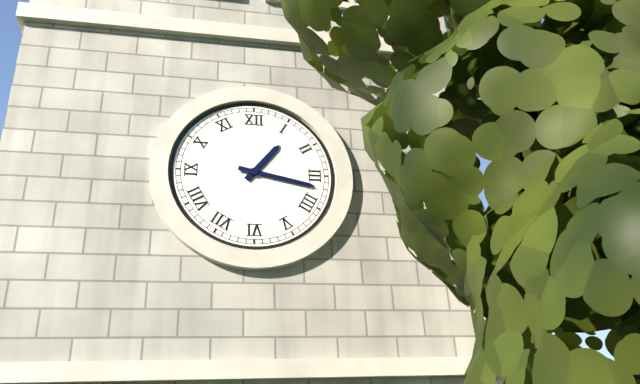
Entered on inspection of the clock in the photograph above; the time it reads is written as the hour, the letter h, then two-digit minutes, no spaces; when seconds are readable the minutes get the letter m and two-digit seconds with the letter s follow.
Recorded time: 1h17
